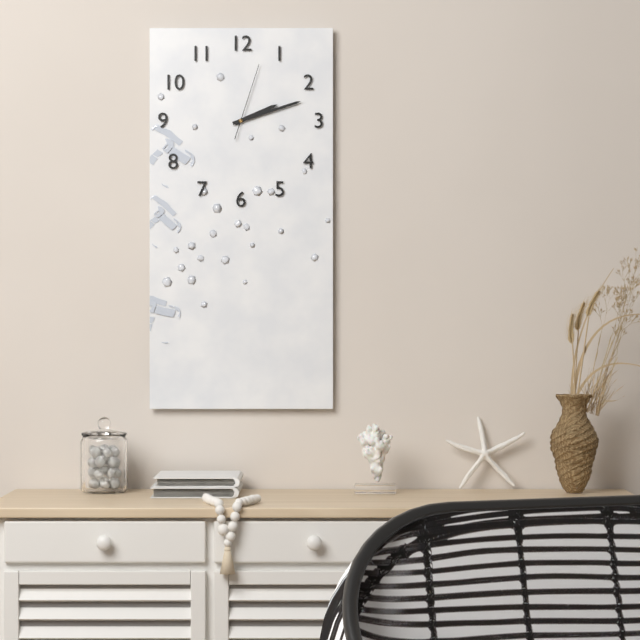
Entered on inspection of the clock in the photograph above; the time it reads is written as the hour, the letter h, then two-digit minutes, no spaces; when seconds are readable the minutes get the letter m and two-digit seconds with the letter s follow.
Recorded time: 2h12m03s
